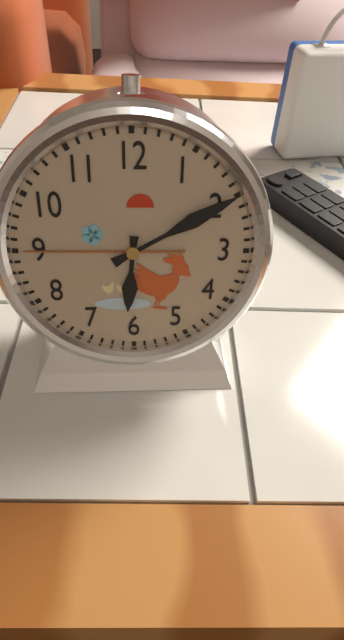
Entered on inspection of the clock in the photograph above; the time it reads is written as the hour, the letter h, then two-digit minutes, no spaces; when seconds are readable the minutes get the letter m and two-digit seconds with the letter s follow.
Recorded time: 6h10
